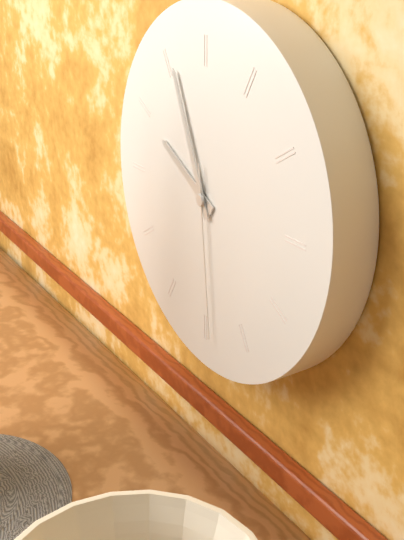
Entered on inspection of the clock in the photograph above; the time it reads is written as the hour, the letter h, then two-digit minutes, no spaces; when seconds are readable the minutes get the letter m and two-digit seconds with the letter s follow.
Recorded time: 9h56m29s
